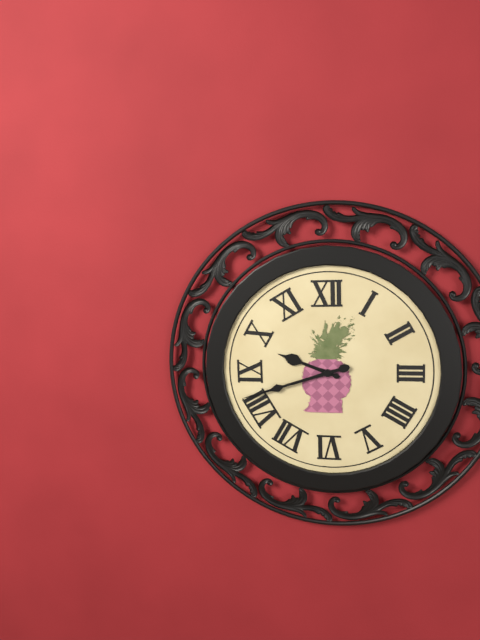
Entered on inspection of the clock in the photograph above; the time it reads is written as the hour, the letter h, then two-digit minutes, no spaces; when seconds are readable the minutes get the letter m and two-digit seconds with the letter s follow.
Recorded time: 9h42
